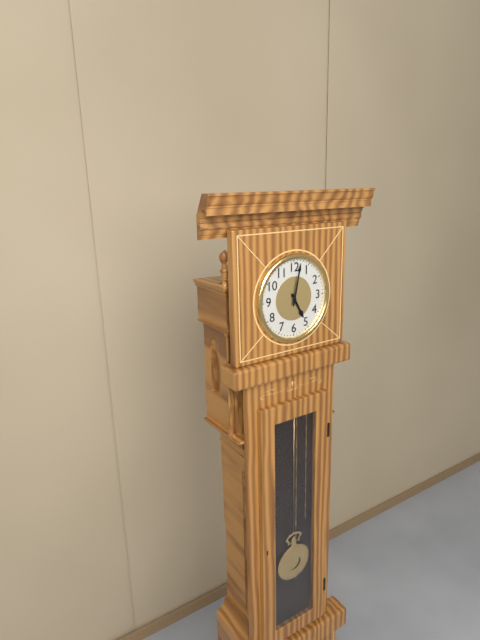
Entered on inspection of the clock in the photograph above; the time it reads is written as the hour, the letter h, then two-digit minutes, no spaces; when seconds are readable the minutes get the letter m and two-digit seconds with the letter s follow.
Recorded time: 5h02
